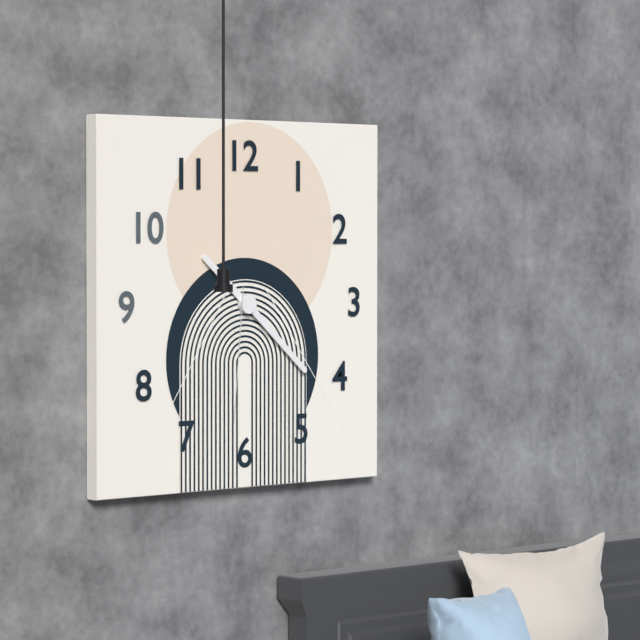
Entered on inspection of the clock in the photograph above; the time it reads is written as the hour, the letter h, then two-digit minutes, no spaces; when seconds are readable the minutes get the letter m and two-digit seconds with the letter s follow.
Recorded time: 10h22
